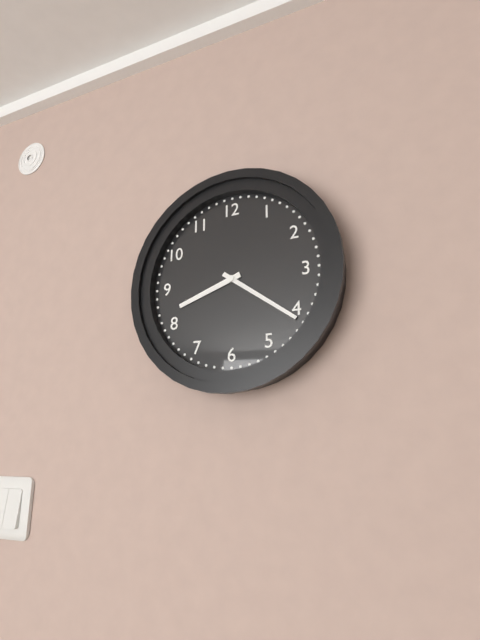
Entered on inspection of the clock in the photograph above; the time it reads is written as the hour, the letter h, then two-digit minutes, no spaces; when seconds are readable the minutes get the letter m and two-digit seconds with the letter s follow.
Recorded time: 8h21
